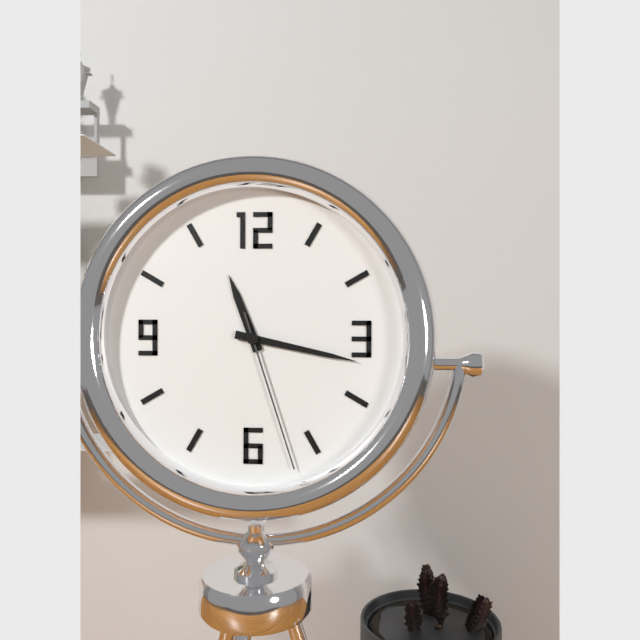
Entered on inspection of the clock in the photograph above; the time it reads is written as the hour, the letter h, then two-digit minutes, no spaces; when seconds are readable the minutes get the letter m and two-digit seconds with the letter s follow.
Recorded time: 11h17m27s
